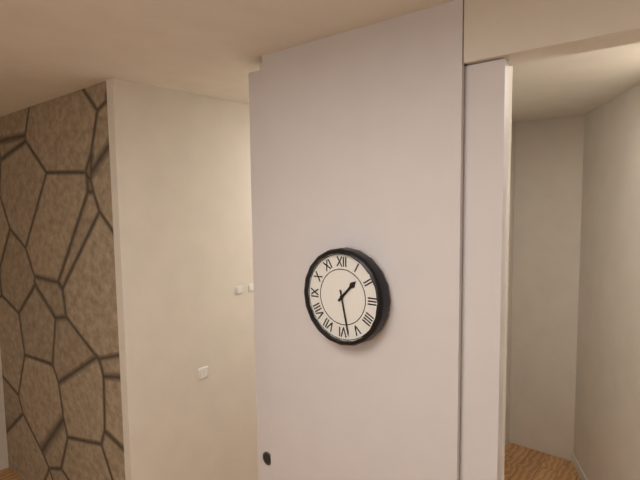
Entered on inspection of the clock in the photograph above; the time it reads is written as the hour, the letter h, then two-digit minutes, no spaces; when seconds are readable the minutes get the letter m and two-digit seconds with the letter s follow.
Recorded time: 1h28
